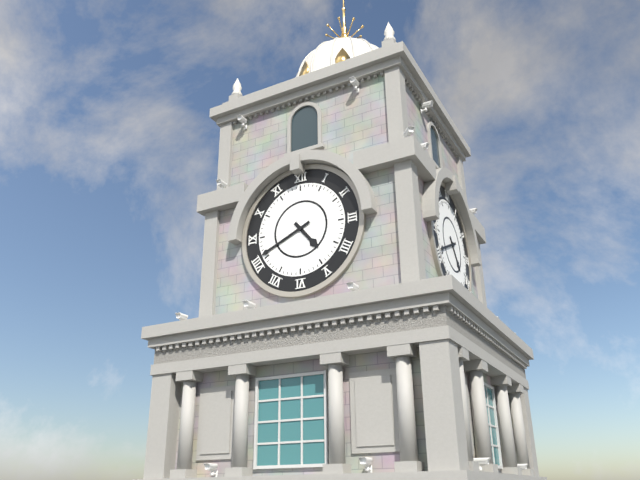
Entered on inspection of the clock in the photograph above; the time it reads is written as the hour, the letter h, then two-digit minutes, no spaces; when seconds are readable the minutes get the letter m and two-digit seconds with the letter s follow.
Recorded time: 4h41
